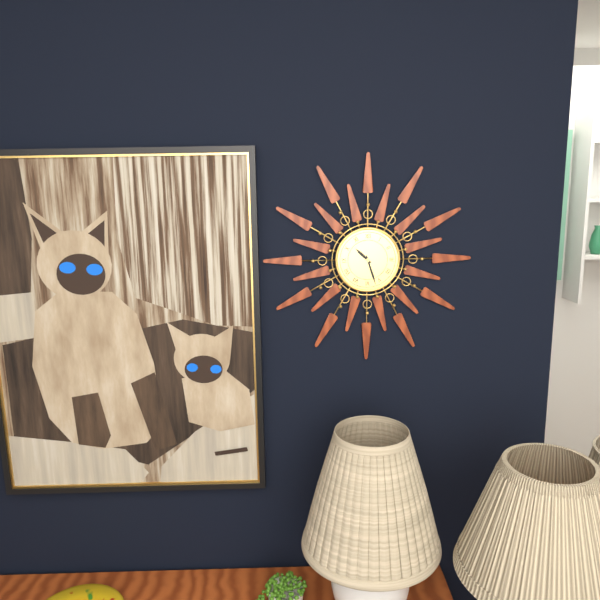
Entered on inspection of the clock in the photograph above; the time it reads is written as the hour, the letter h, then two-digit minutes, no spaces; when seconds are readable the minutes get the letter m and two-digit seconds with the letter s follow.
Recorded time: 10h27
